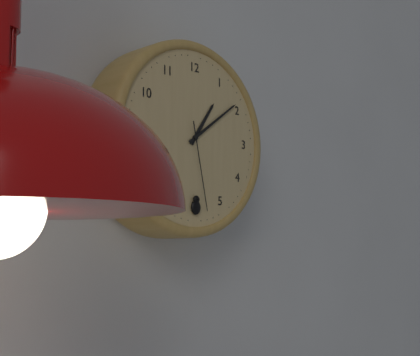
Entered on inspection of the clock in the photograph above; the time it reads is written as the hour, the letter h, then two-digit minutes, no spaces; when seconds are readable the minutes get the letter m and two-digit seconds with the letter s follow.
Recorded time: 1h09m28s
